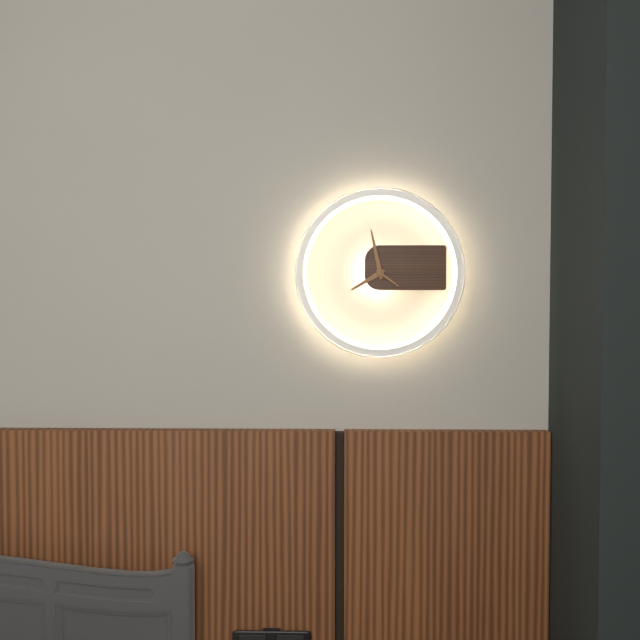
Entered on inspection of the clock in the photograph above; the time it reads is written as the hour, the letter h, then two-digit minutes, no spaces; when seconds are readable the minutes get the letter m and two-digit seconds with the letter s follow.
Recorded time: 7h58
